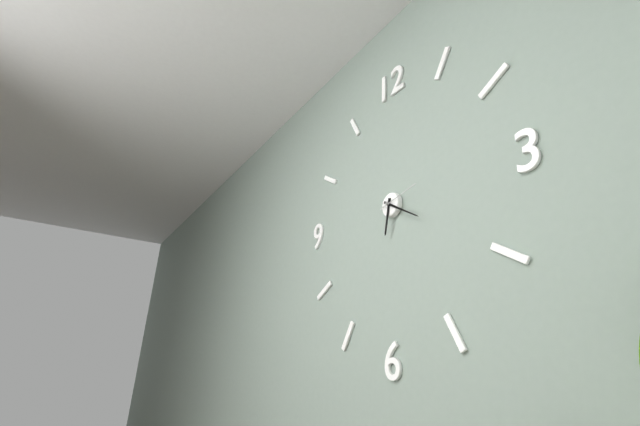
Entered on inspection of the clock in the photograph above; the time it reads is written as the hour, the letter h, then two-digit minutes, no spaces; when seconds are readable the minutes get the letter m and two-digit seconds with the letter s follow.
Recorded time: 6h20
